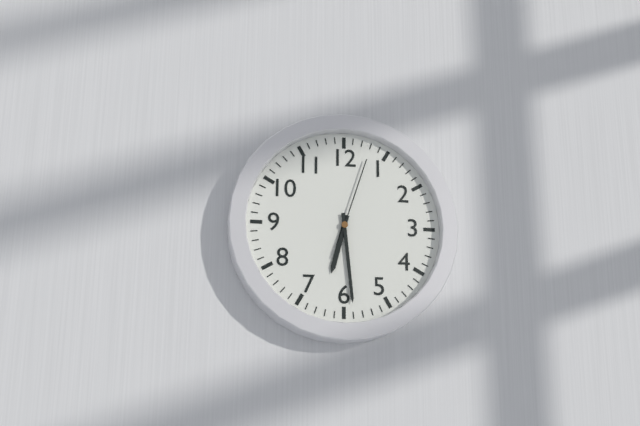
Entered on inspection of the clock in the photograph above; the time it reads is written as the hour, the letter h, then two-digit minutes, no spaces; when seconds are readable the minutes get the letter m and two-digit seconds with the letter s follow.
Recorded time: 6h29m03s
